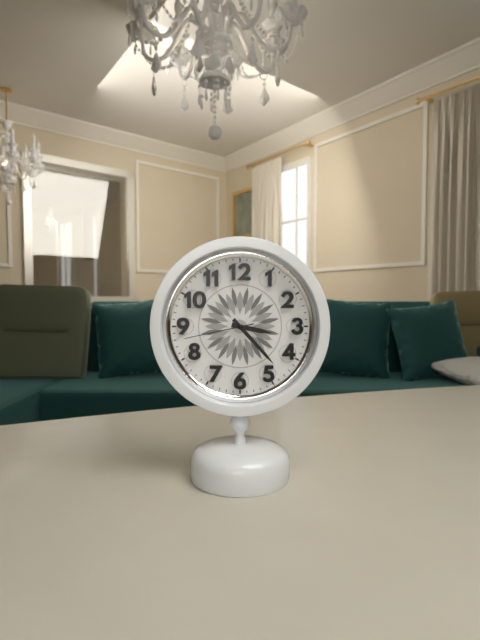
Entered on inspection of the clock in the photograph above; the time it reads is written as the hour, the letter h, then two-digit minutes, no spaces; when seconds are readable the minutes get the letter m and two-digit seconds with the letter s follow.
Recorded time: 3h23m43s
